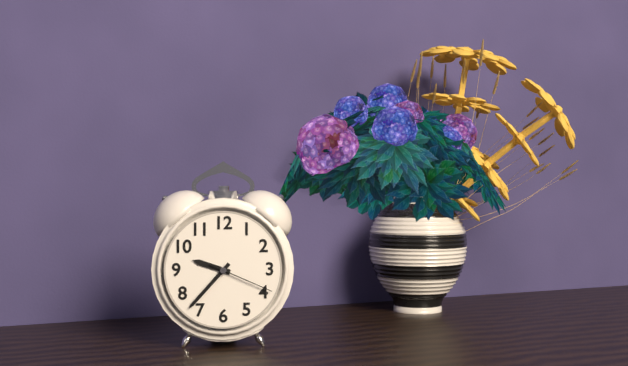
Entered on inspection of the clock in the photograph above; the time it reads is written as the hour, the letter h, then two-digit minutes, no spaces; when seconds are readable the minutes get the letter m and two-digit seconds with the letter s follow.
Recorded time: 9h37m19s
